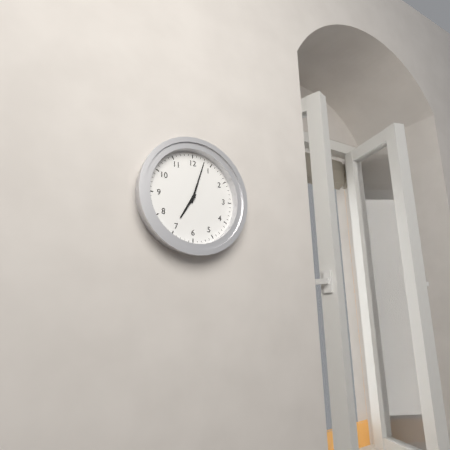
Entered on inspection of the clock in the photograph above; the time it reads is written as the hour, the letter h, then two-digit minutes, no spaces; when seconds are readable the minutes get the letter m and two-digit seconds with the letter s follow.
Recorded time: 7h03
